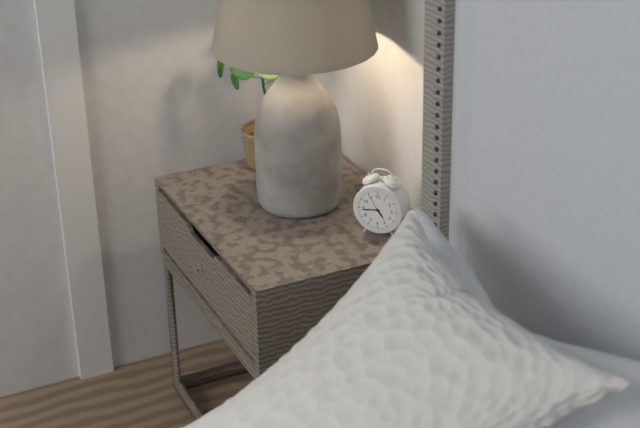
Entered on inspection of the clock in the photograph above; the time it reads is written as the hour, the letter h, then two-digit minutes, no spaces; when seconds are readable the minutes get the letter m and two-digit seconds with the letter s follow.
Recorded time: 4h44
